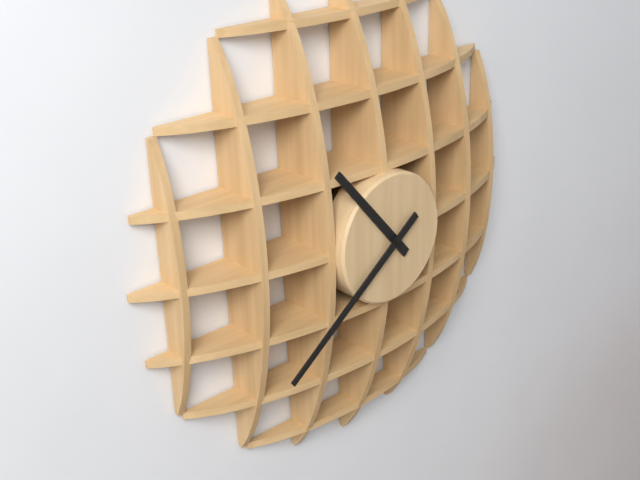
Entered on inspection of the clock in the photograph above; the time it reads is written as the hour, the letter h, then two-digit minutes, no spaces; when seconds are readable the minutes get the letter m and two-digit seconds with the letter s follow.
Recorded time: 10h39
